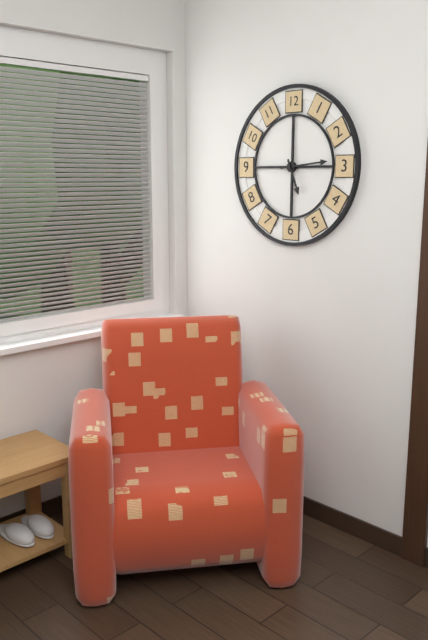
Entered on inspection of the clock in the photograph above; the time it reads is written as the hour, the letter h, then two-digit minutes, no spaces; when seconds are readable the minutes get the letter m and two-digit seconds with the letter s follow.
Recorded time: 5h14
